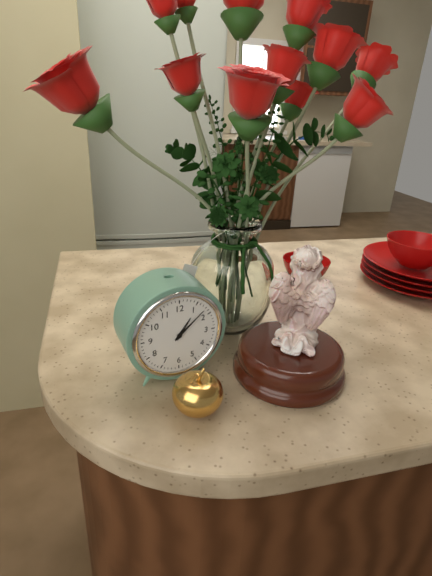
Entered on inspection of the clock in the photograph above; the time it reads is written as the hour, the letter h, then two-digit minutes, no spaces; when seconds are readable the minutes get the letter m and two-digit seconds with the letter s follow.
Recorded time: 1h08
